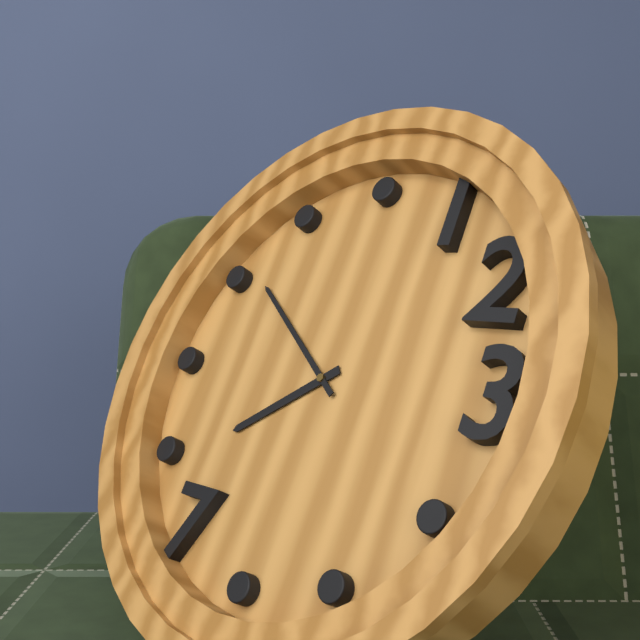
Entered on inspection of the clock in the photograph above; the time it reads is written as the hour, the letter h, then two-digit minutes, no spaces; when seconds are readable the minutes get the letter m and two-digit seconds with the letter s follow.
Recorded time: 7h51
